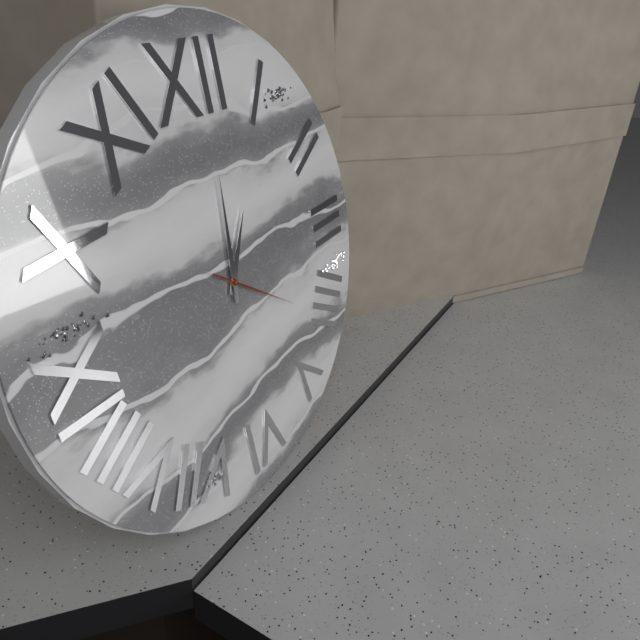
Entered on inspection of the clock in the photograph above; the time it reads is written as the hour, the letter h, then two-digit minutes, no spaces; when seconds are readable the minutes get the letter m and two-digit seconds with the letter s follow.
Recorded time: 1h01m21s
